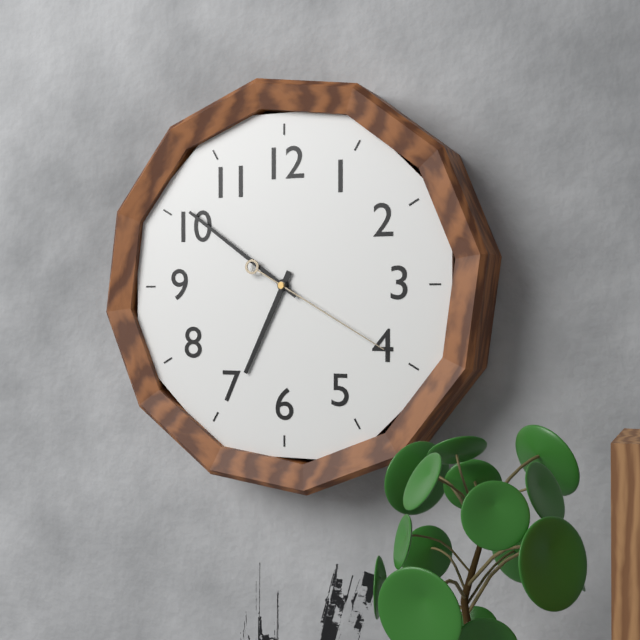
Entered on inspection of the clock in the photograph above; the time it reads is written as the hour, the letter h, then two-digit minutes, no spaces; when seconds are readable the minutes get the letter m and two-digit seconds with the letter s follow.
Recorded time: 6h51m20s
